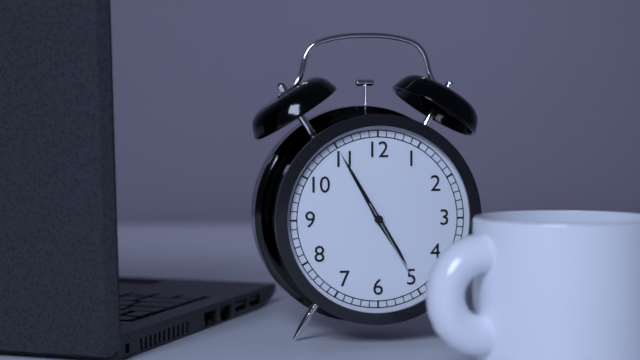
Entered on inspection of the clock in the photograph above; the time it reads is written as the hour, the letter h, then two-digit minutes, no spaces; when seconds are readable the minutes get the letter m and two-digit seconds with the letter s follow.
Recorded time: 4h55m25s
